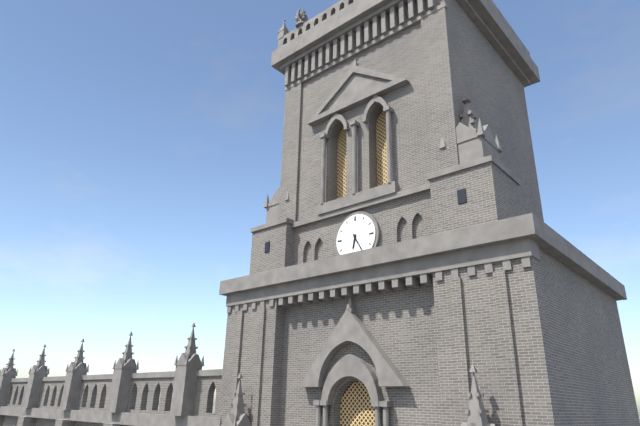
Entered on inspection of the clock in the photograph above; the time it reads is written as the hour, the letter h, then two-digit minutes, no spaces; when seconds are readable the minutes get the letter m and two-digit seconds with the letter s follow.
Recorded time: 6h25
